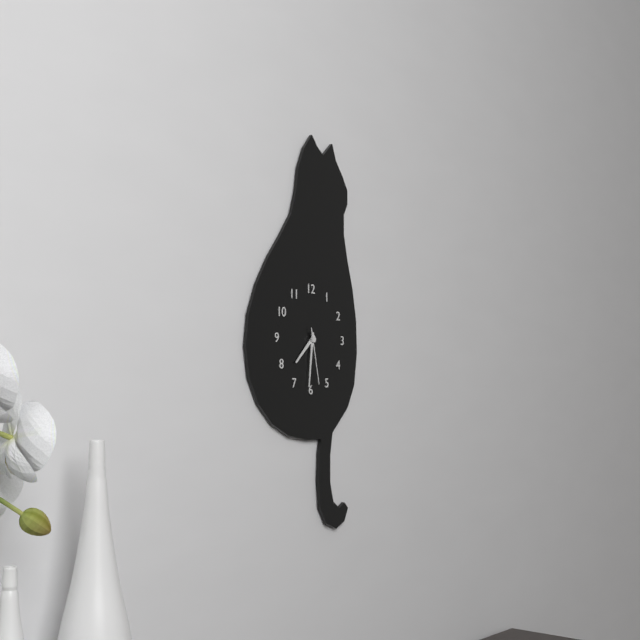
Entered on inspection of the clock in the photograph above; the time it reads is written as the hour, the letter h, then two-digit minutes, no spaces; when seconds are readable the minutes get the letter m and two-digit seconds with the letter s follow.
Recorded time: 7h31m28s
